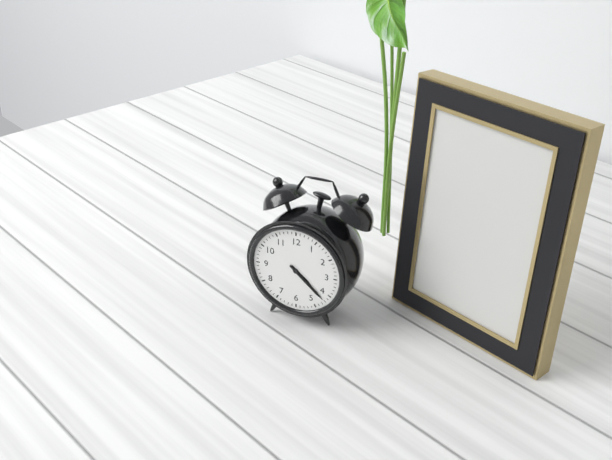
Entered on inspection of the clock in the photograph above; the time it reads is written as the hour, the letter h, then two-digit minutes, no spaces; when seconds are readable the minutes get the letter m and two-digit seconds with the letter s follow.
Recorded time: 4h22
